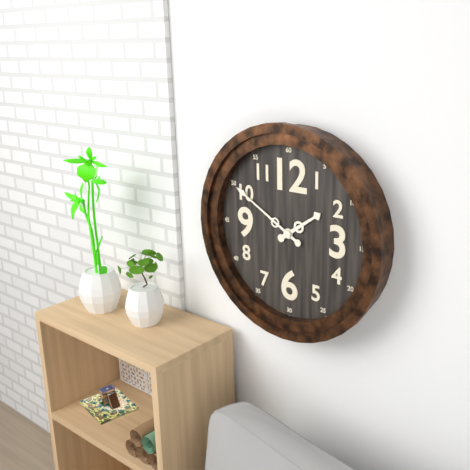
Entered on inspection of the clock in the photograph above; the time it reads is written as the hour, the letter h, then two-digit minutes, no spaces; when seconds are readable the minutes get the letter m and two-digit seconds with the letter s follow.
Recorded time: 1h50
